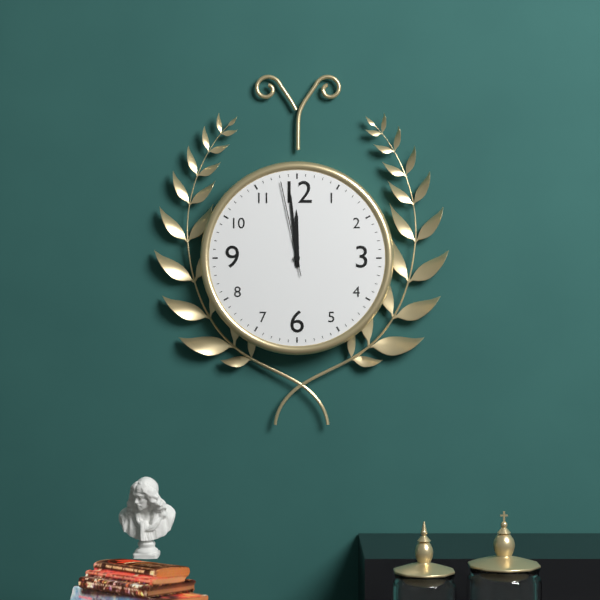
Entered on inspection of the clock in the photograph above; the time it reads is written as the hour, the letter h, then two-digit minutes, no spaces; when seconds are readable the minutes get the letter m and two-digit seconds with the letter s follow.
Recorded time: 11h59m58s
